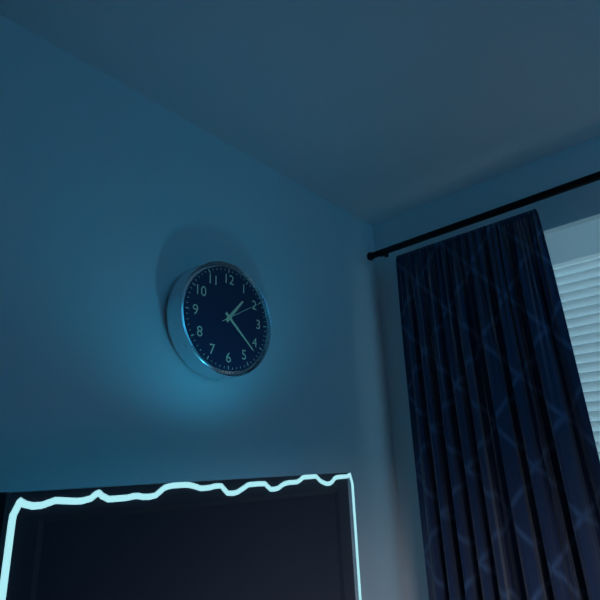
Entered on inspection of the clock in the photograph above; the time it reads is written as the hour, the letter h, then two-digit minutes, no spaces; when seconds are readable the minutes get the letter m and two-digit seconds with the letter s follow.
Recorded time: 1h22
